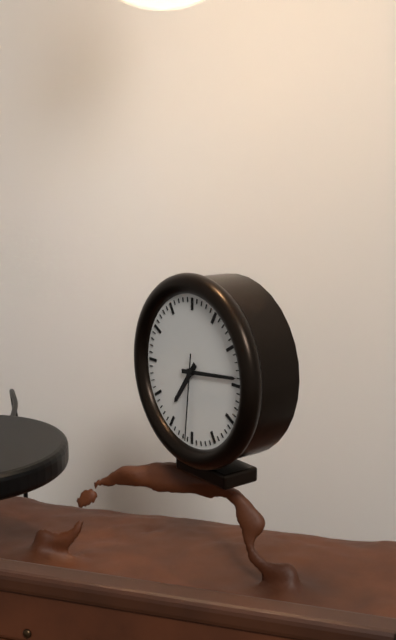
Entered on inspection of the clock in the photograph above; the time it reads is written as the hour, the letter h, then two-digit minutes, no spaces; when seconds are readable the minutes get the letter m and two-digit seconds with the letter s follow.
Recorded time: 7h14m31s
